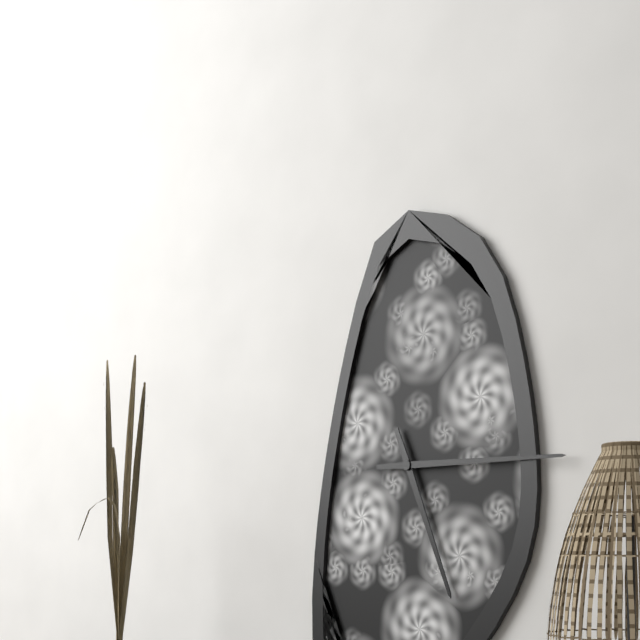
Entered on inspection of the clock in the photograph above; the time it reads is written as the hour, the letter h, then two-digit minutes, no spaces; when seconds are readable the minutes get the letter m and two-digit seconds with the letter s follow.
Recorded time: 5h15
